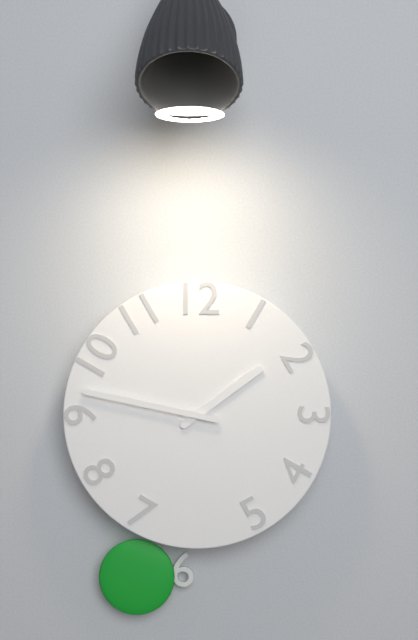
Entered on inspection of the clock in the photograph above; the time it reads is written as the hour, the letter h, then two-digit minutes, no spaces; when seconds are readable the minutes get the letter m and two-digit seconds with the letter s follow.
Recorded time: 1h47
